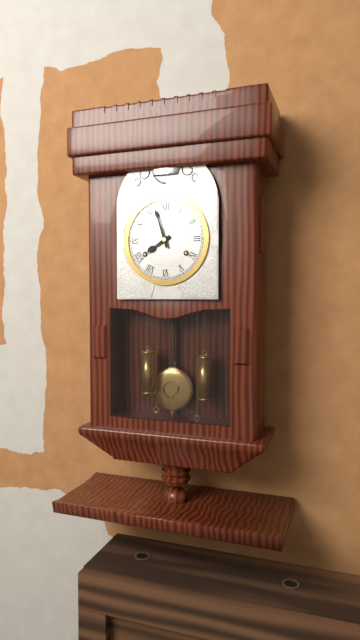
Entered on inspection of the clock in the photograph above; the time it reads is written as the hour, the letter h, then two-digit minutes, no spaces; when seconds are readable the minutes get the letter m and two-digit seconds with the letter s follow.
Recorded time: 7h57
